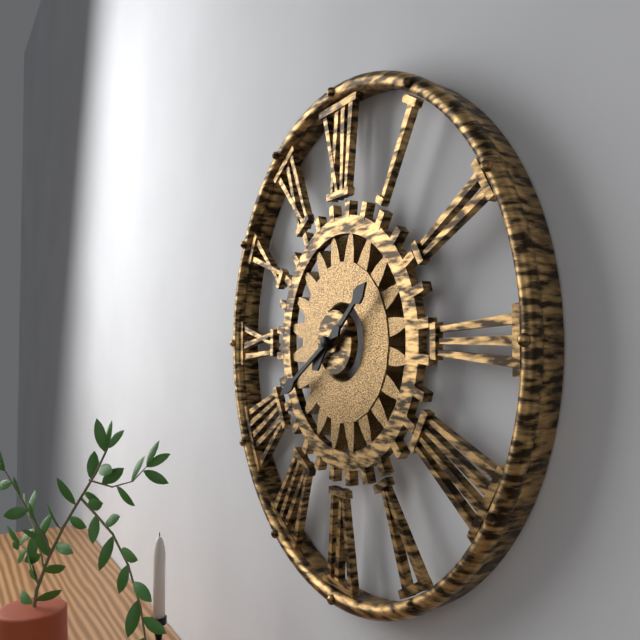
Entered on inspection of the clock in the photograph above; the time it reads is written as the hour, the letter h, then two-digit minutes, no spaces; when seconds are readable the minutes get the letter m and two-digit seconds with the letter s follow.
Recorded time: 1h40
